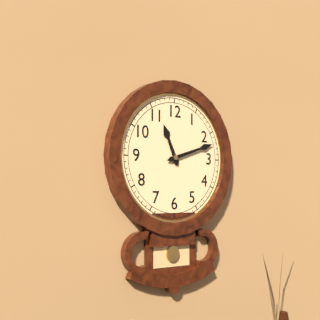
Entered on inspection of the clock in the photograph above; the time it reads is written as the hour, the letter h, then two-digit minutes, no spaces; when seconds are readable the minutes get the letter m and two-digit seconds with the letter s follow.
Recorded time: 11h12
